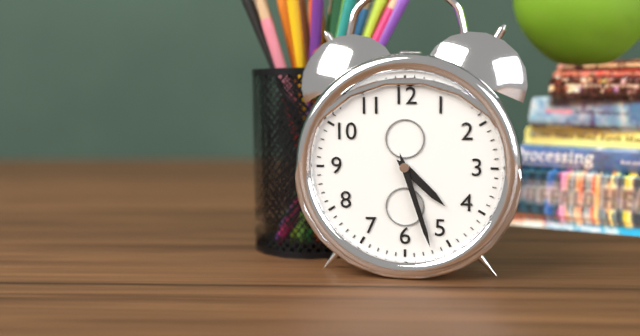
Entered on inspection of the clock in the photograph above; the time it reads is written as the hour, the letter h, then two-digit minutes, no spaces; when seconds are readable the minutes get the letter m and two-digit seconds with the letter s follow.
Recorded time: 4h27
